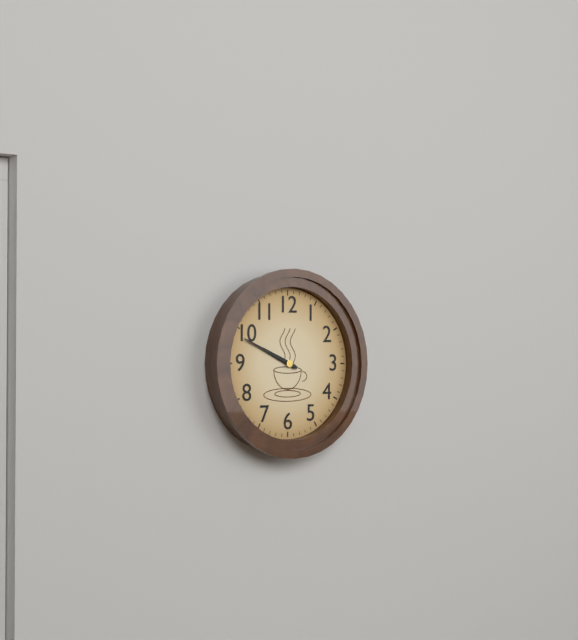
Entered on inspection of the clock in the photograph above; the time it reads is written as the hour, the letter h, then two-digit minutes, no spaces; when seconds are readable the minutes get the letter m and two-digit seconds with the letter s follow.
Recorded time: 9h49
